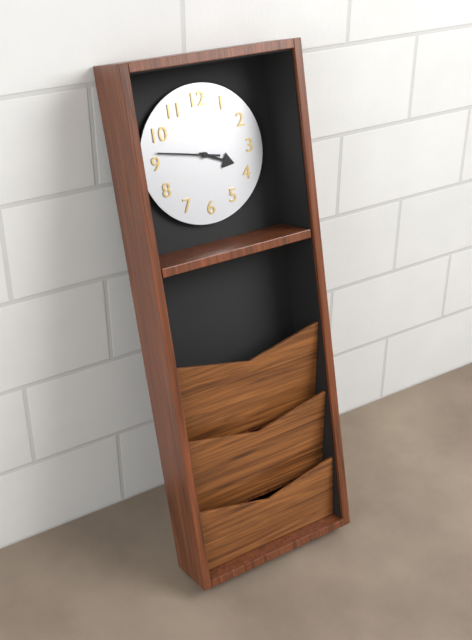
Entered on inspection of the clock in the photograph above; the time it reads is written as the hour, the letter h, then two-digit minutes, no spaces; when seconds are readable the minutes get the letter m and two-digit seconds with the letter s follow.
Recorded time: 3h47
